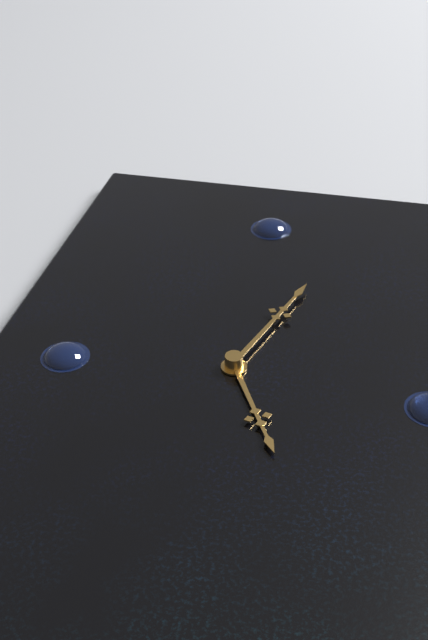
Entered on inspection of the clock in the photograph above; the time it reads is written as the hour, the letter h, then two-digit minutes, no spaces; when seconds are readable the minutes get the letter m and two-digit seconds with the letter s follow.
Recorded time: 5h03
